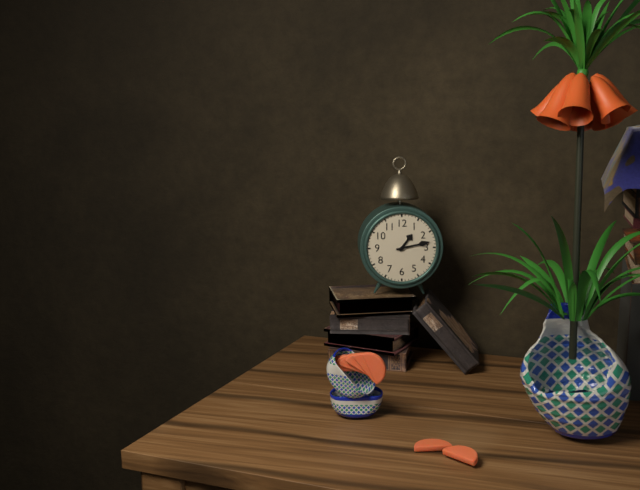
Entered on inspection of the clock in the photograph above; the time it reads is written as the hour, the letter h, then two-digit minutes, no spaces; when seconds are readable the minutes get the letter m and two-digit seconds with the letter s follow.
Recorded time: 1h13
